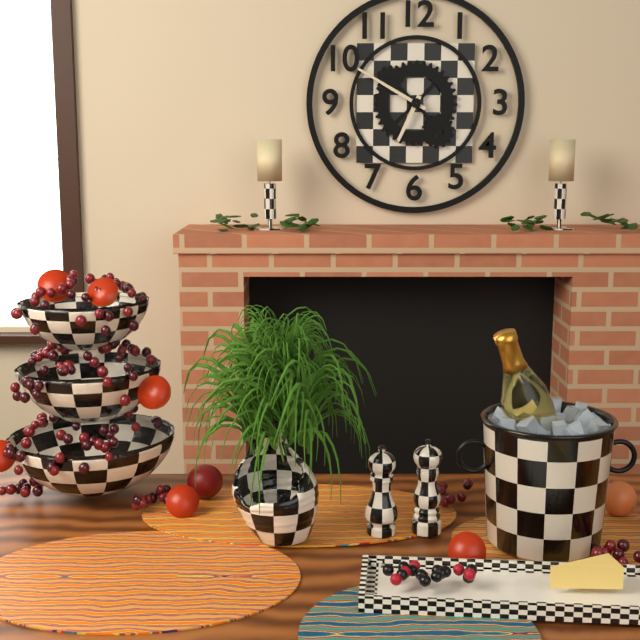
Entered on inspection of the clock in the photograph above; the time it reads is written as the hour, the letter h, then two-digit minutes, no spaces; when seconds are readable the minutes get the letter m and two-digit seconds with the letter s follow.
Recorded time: 6h50
